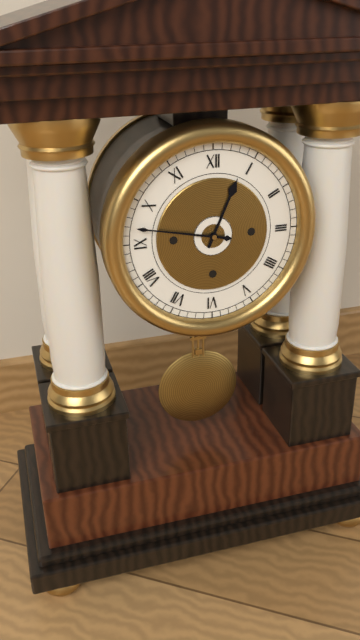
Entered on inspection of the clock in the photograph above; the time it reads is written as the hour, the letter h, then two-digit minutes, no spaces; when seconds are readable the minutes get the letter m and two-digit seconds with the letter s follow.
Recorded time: 12h47
